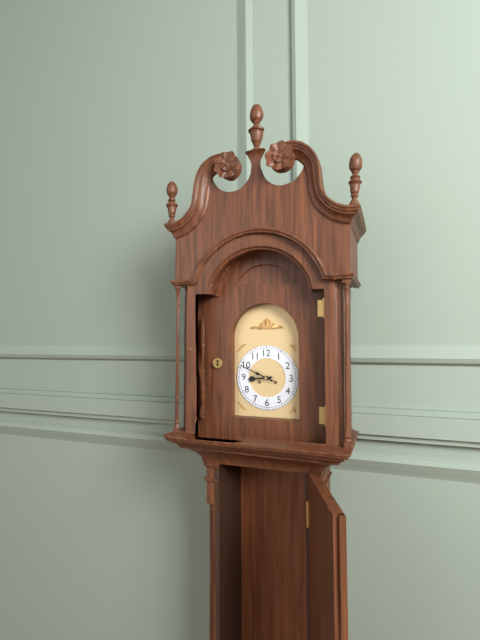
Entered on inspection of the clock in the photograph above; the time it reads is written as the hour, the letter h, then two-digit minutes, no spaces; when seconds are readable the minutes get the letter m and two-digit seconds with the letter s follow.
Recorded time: 8h49
